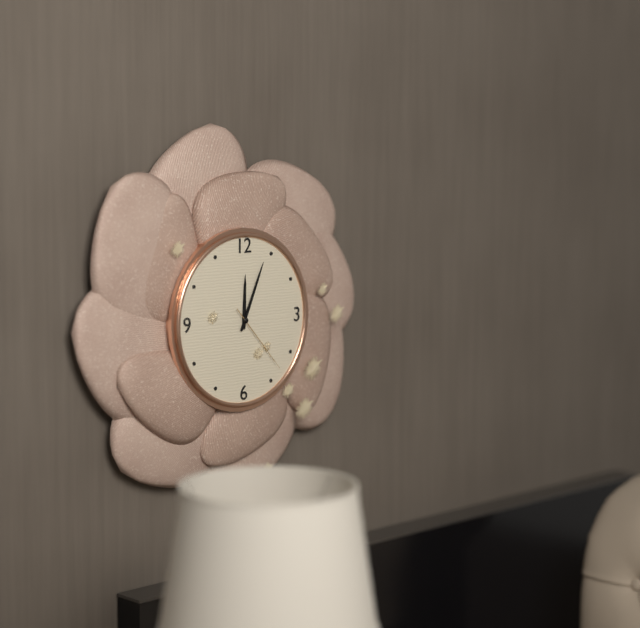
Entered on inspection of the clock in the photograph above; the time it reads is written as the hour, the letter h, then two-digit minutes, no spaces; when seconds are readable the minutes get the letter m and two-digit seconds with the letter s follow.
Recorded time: 12h04m23s
